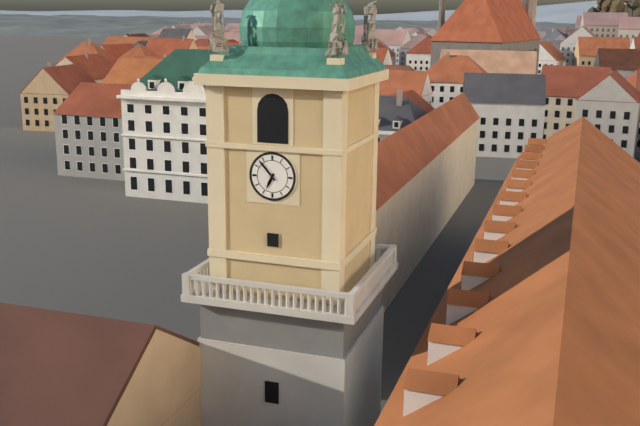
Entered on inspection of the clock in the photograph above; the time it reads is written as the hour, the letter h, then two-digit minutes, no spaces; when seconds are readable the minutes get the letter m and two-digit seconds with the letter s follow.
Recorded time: 6h53
